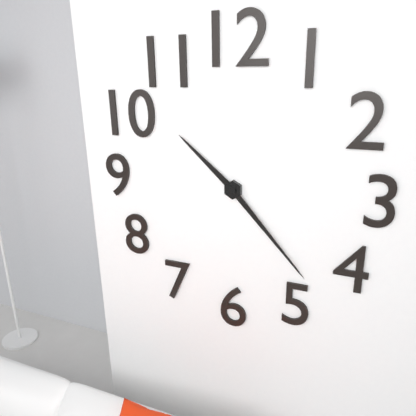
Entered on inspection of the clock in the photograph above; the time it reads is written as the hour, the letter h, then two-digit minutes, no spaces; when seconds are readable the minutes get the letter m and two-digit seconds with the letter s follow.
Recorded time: 10h23
